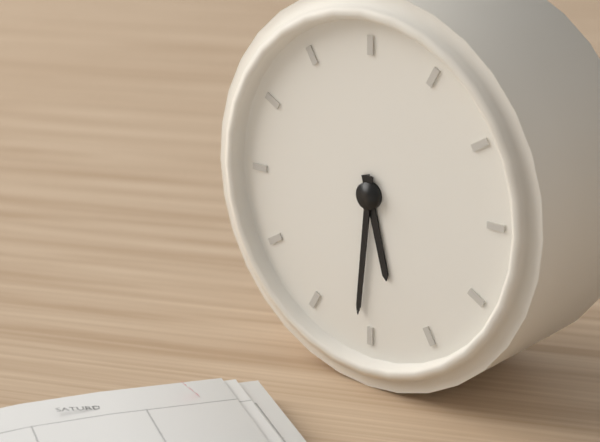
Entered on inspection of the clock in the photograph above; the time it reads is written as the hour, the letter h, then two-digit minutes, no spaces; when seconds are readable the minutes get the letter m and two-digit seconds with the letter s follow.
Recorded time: 5h31
